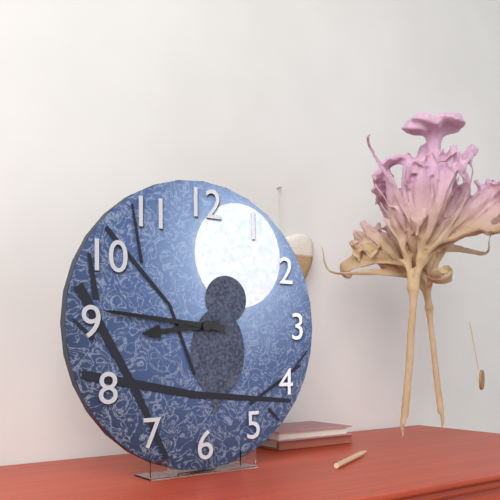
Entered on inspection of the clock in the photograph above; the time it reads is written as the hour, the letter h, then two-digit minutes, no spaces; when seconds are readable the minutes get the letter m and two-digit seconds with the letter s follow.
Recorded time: 8h46
